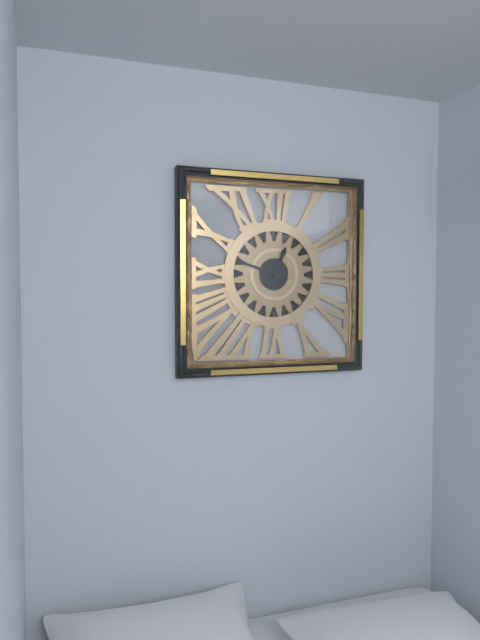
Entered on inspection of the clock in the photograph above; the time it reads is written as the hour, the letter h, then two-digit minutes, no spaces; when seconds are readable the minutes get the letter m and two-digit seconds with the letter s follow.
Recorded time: 12h48
